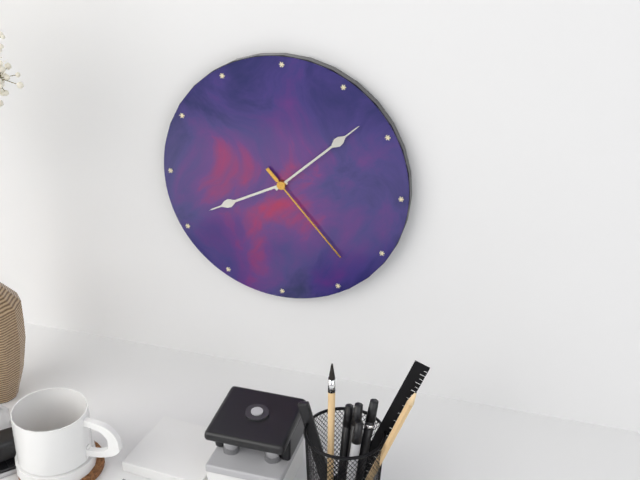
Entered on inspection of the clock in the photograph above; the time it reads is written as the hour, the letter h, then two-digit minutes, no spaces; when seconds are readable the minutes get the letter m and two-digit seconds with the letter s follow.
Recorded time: 8h08m23s
